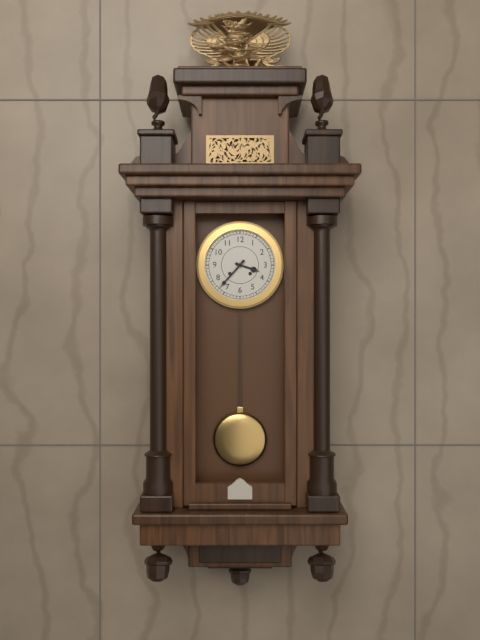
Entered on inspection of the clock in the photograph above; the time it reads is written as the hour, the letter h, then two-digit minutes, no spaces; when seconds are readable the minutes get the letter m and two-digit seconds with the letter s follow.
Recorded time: 3h37
